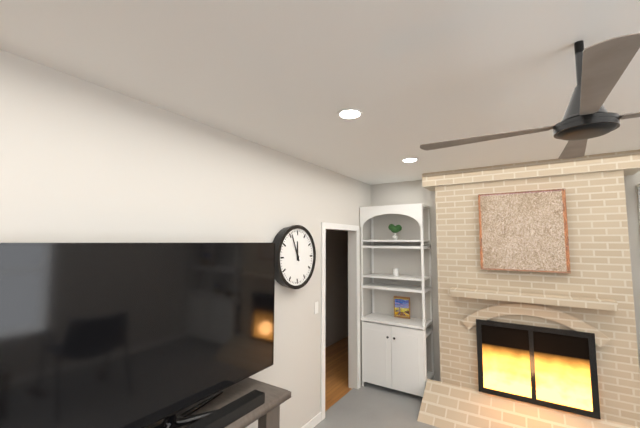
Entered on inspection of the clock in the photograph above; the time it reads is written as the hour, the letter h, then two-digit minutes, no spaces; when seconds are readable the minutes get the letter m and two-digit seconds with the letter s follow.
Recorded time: 11h56
